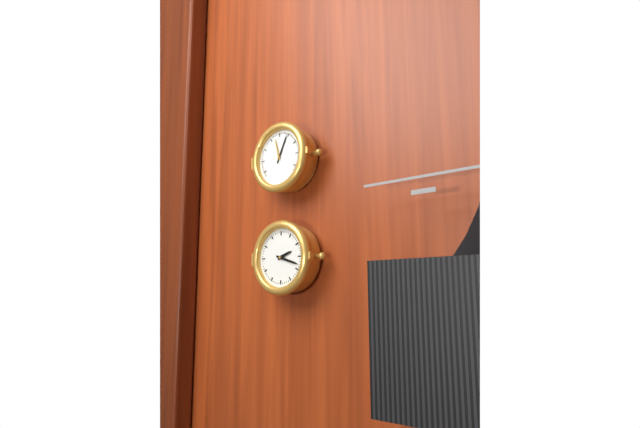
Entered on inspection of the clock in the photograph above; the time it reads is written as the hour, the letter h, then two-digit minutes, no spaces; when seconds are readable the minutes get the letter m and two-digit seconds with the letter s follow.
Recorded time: 2h18
